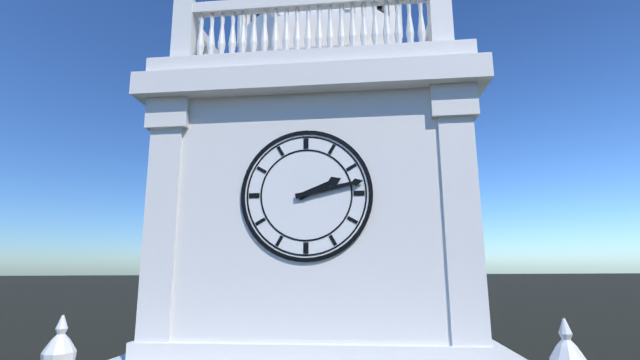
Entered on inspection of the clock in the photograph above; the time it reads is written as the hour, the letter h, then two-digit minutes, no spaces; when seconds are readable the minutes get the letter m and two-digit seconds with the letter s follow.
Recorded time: 2h13
